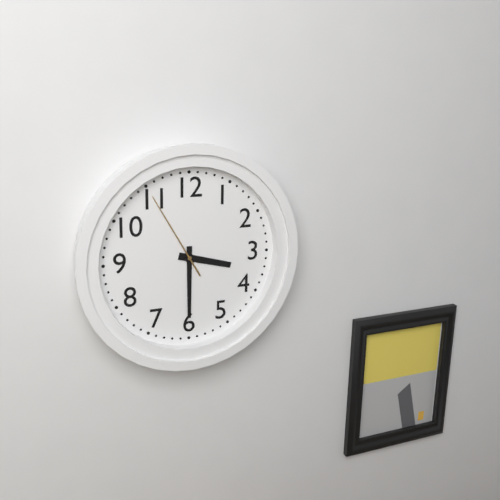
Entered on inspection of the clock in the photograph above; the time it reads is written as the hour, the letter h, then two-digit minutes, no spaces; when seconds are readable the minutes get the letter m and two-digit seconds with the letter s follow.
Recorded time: 3h30m55s
